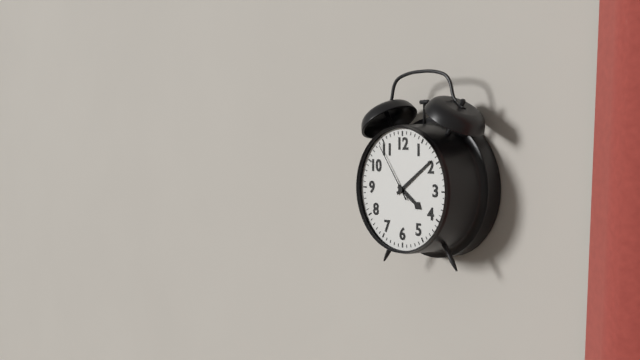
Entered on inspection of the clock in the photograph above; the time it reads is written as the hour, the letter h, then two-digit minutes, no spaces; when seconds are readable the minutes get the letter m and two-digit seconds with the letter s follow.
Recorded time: 4h09m54s
